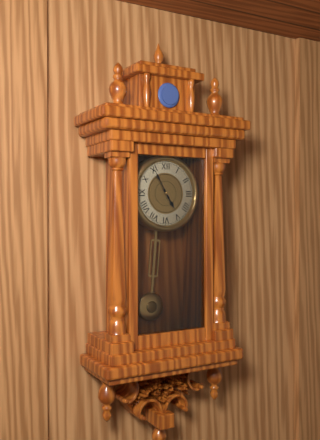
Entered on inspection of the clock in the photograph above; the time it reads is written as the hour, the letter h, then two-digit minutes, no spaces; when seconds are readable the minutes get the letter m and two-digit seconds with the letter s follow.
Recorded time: 4h55
